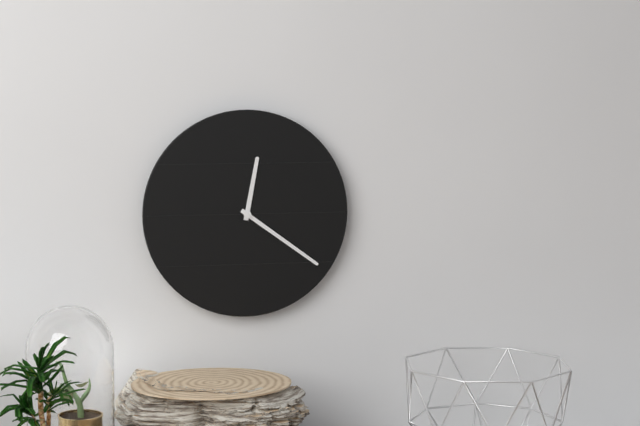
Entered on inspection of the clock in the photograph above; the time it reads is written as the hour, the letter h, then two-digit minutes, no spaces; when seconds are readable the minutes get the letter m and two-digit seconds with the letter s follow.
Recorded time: 12h21
